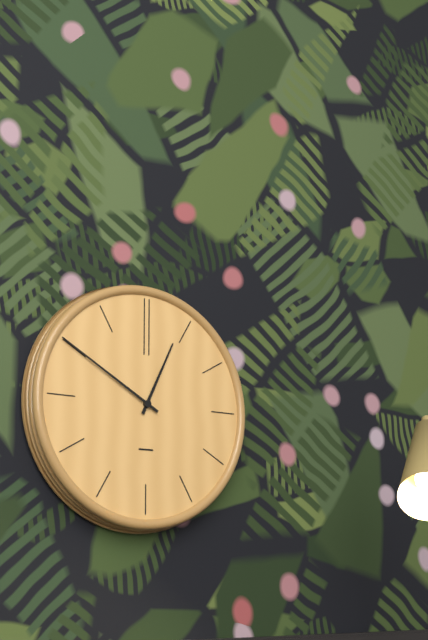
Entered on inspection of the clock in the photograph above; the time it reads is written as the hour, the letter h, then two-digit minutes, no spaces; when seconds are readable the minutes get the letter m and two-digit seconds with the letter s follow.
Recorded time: 12h50
